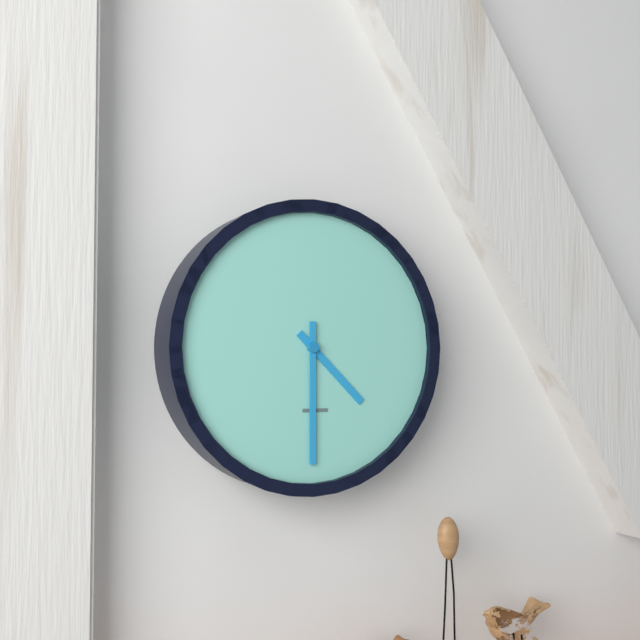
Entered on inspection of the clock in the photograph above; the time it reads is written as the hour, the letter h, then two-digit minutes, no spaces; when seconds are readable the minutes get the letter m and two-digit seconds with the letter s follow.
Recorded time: 4h30
